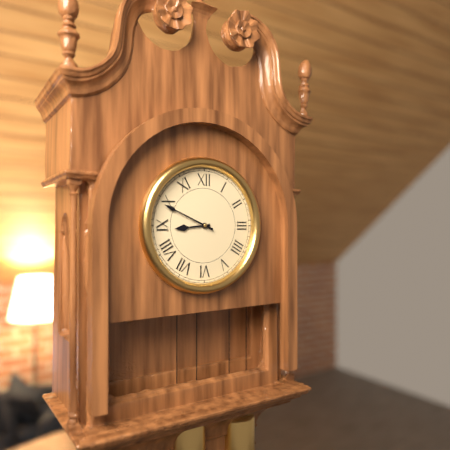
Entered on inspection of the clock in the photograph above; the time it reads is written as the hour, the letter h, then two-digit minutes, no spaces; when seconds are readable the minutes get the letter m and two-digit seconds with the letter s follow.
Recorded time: 8h49
